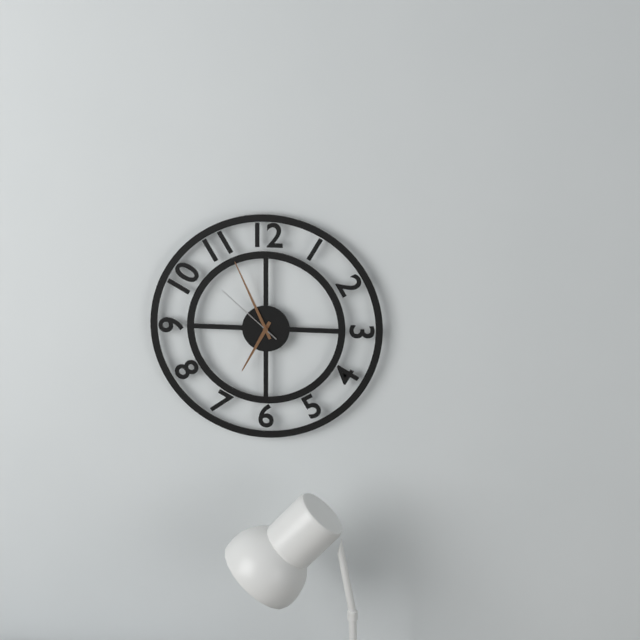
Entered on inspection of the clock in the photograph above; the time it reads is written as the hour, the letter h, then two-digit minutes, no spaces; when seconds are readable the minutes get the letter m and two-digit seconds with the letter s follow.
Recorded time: 6h56m52s
